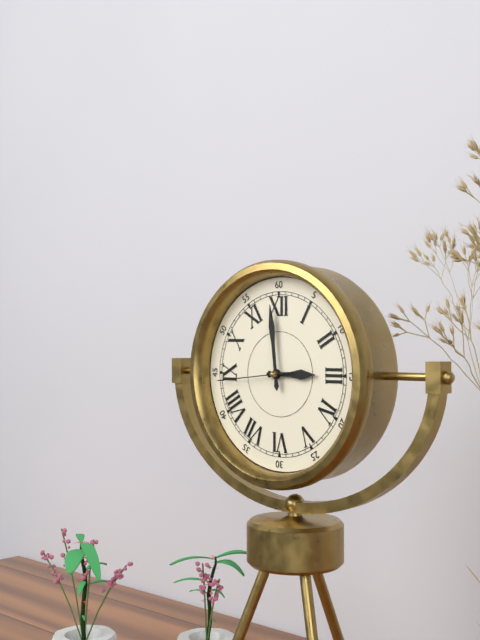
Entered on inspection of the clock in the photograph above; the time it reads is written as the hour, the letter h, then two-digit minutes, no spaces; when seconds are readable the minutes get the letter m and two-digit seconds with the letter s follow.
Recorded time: 2h59m44s
